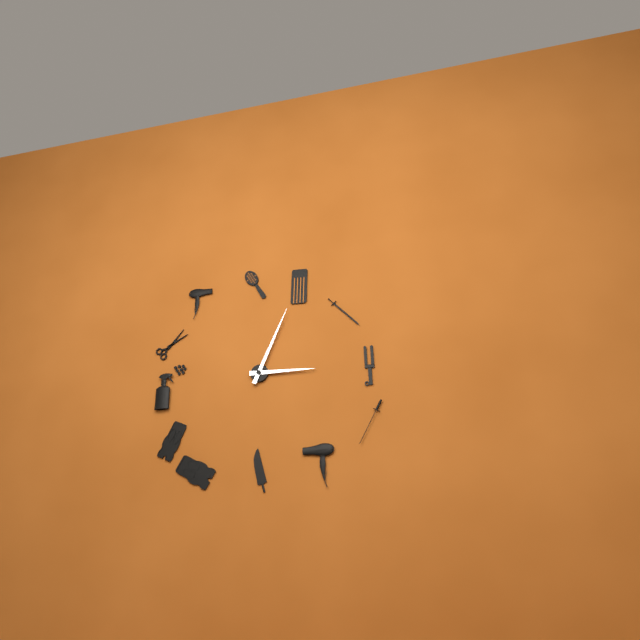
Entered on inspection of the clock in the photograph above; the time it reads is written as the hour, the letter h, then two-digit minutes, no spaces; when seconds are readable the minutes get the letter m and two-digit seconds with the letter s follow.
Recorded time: 3h04
